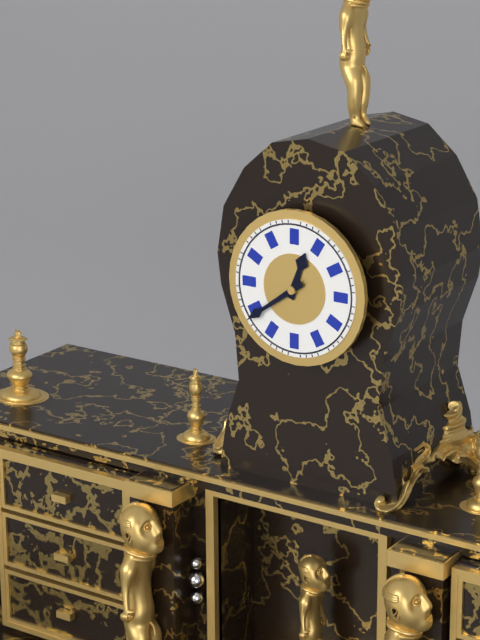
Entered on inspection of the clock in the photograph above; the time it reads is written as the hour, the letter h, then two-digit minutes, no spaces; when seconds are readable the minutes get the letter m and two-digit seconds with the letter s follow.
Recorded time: 12h39
